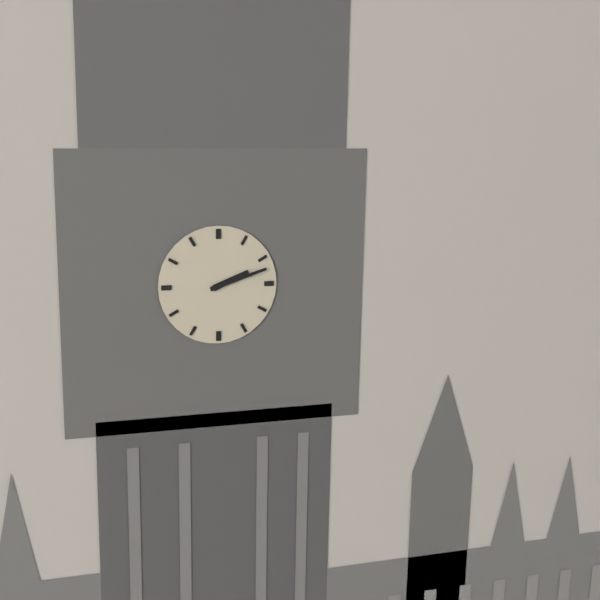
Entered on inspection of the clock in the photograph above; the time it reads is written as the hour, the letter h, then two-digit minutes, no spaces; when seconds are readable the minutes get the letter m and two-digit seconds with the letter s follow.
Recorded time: 2h12
